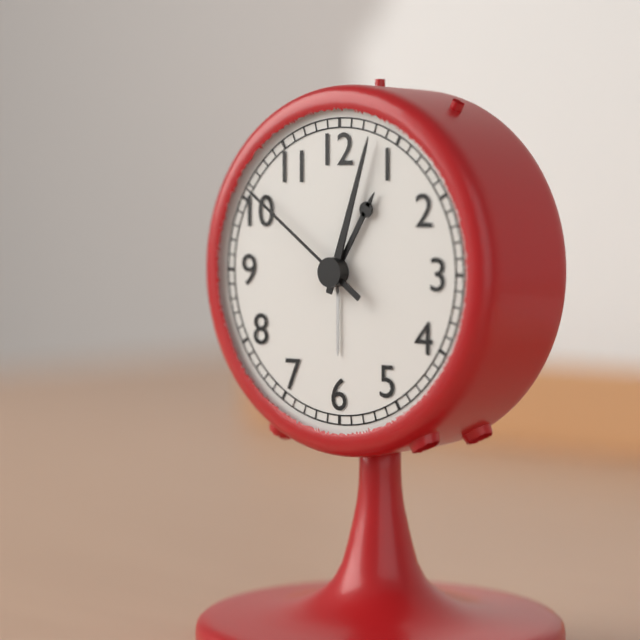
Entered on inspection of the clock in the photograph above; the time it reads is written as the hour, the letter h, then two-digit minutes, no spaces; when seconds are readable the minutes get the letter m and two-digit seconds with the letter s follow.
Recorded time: 1h03m51s
